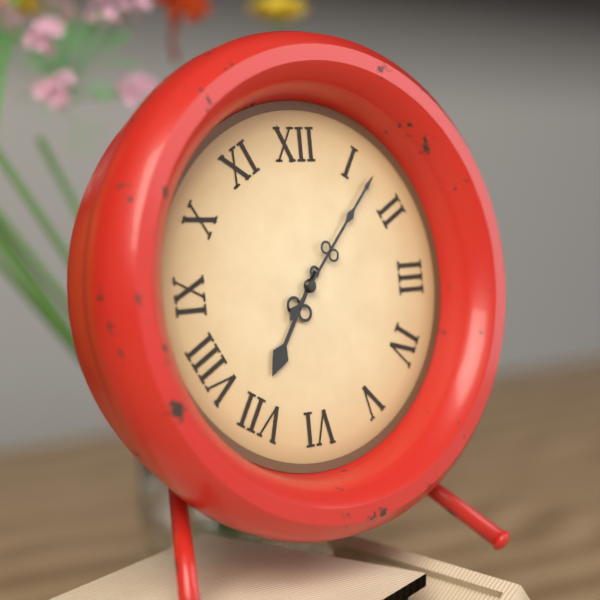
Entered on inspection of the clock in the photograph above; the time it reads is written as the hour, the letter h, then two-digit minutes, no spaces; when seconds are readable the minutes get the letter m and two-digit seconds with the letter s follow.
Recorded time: 7h07
